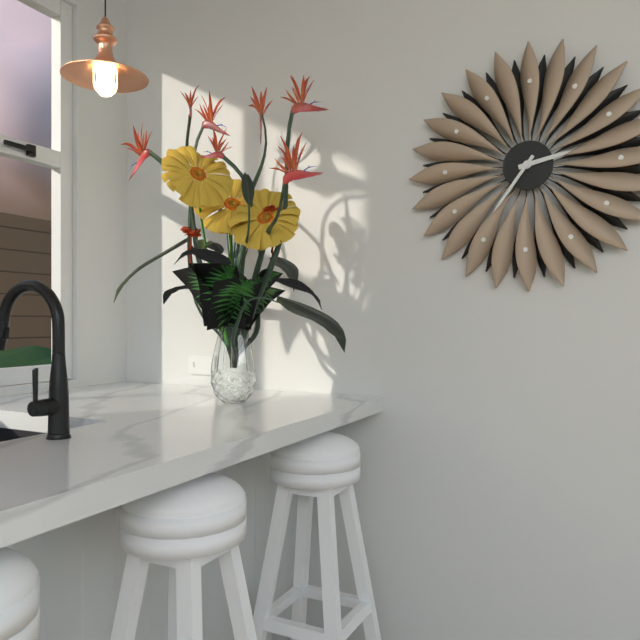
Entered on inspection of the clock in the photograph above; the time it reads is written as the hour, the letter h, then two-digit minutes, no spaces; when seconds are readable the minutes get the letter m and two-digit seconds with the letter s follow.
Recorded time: 2h36
